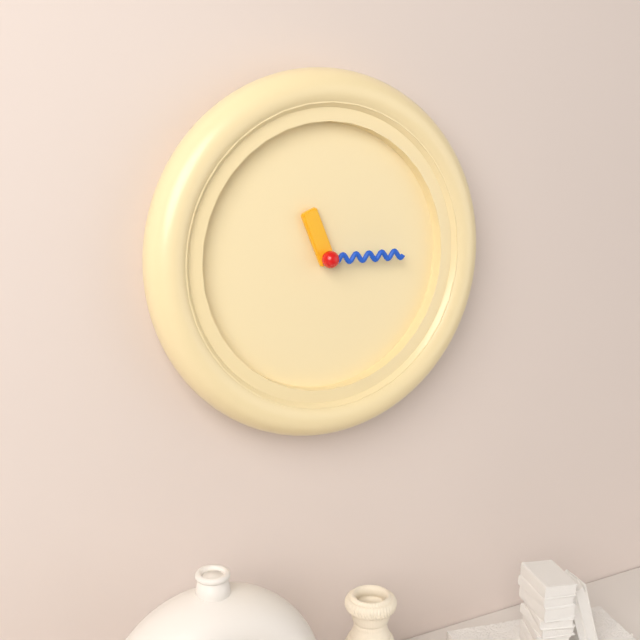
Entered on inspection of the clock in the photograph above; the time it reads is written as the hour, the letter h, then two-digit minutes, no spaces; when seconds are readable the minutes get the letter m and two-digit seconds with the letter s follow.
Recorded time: 11h15
